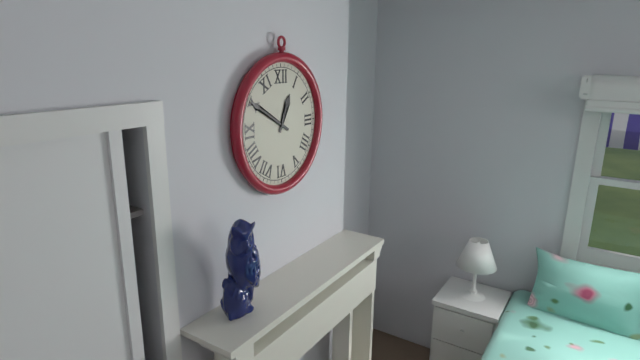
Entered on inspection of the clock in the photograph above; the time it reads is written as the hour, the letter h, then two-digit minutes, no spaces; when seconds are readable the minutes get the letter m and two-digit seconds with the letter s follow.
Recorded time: 12h50
